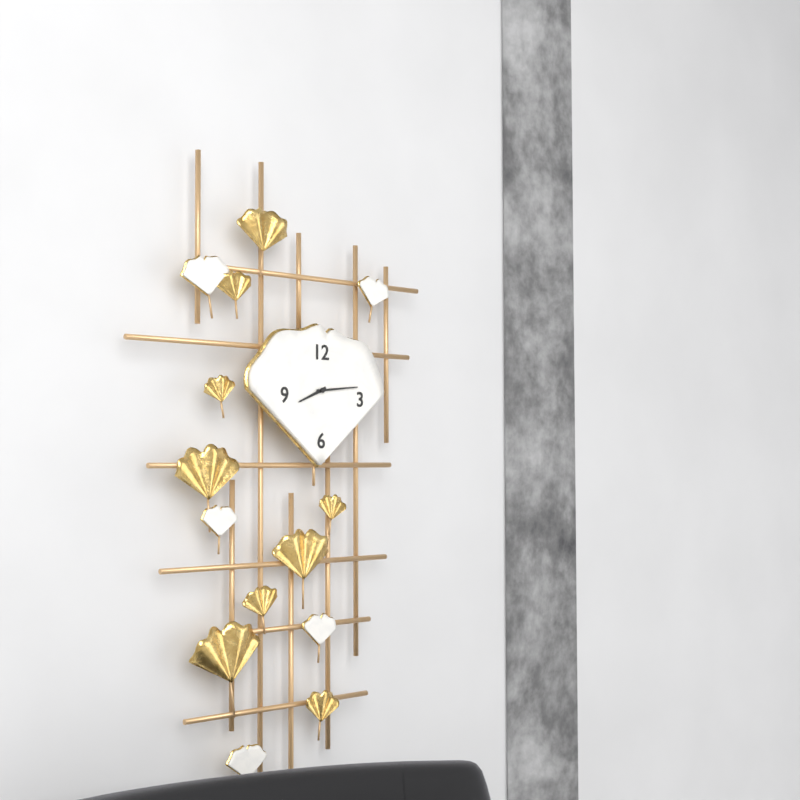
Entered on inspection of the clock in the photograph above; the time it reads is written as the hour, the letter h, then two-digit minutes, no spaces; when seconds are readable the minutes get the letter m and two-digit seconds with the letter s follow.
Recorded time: 8h14
